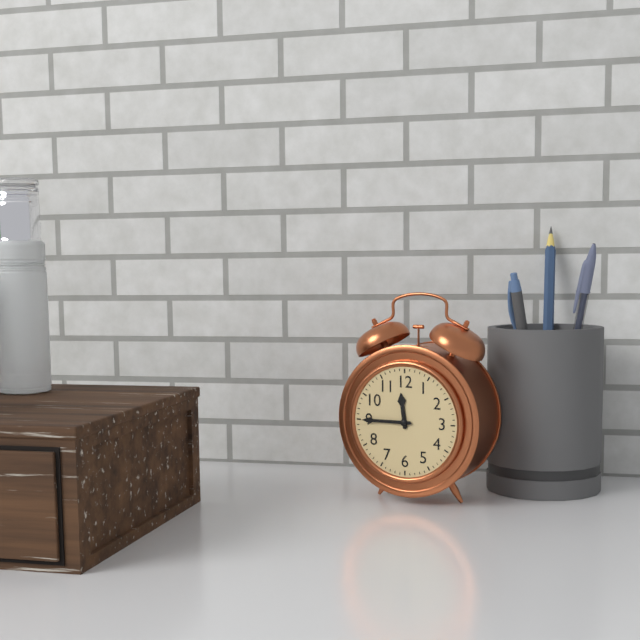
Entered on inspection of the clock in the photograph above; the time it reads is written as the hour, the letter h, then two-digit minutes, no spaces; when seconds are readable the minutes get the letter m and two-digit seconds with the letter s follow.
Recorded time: 11h45
